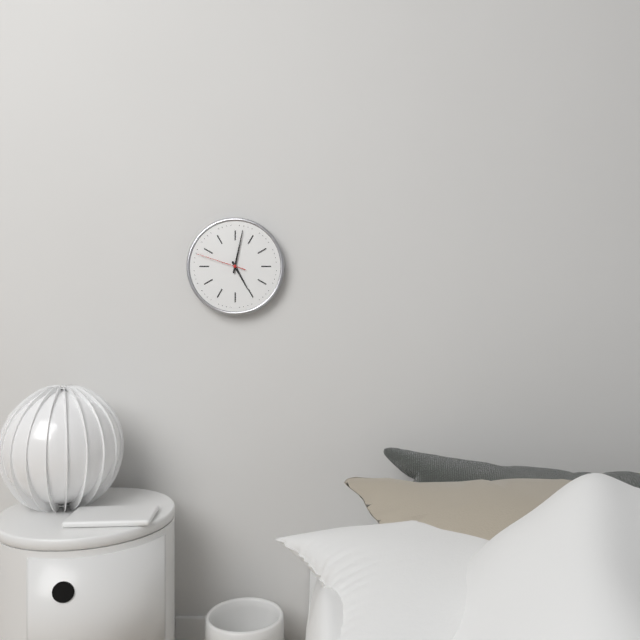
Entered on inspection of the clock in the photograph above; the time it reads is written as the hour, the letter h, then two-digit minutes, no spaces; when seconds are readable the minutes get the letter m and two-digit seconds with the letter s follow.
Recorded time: 5h02m48s
